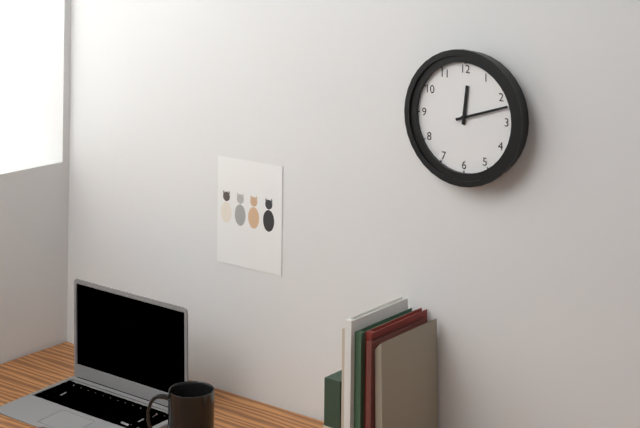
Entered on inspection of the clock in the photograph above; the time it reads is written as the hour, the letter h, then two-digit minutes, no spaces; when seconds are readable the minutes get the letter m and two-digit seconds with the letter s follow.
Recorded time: 12h12
